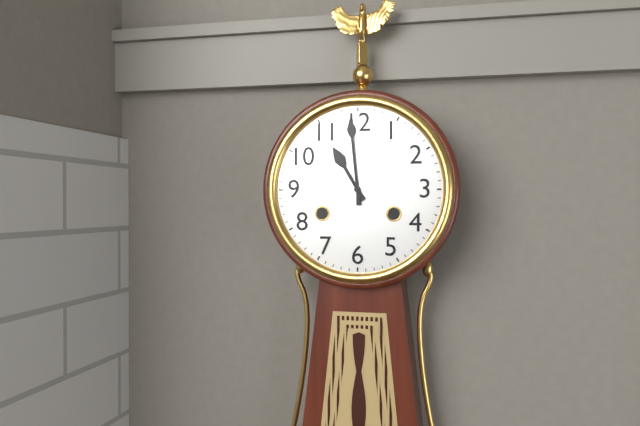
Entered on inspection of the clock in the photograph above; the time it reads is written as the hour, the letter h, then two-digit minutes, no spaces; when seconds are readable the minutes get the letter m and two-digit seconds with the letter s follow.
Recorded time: 10h59
